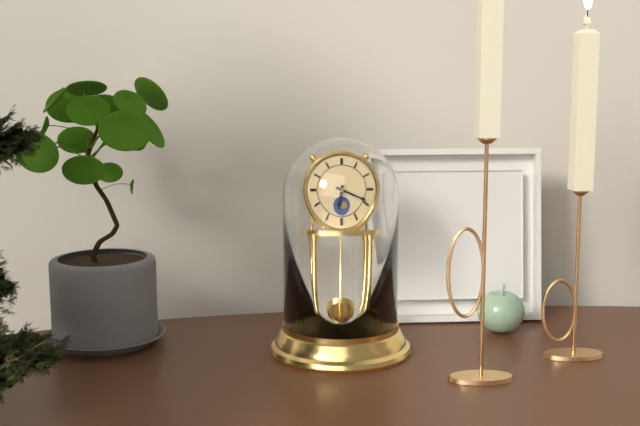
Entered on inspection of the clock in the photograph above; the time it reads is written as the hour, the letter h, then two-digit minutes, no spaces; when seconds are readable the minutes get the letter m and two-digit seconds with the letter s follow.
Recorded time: 6h19
